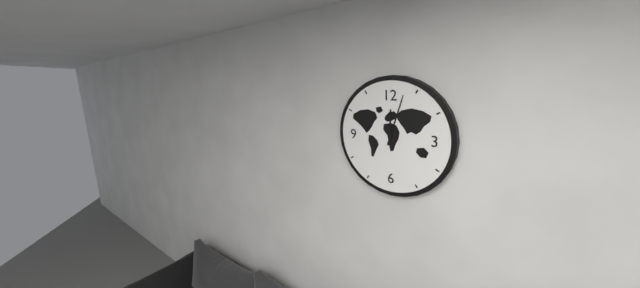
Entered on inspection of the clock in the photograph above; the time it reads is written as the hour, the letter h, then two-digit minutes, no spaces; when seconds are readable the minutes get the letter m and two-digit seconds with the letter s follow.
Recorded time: 12h03
